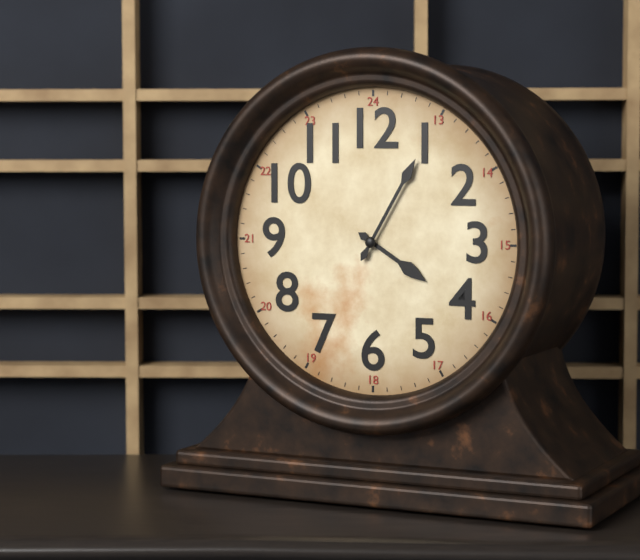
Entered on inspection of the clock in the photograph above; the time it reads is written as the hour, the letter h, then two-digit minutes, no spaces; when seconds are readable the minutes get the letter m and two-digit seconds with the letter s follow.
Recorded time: 4h05
